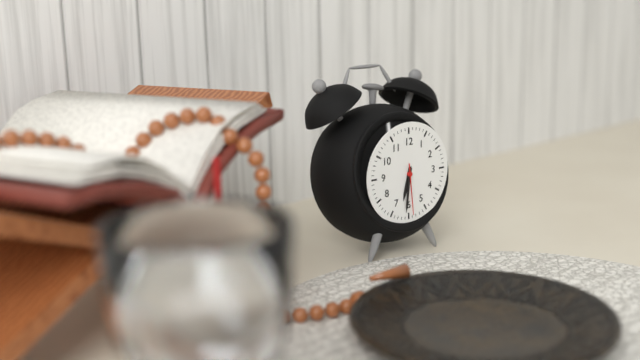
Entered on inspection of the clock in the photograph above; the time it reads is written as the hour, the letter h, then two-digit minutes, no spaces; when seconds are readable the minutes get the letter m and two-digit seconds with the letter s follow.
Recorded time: 6h31m29s
